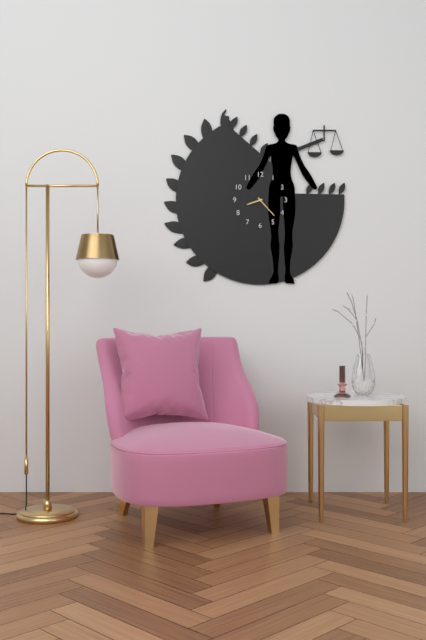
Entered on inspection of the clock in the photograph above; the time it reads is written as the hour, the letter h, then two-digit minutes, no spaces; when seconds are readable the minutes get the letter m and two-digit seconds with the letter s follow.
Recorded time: 8h23
